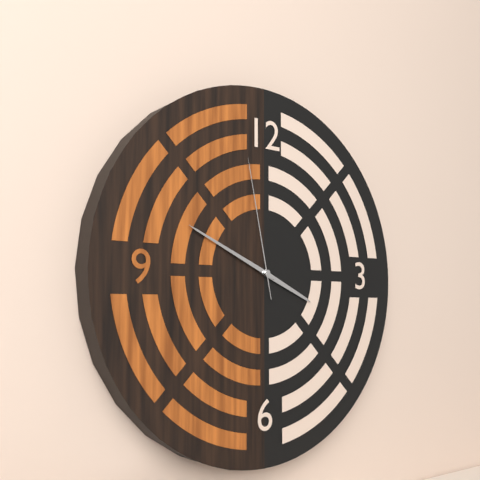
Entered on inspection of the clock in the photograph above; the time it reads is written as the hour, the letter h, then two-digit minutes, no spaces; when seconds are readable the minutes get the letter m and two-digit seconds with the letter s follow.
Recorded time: 3h49m58s
